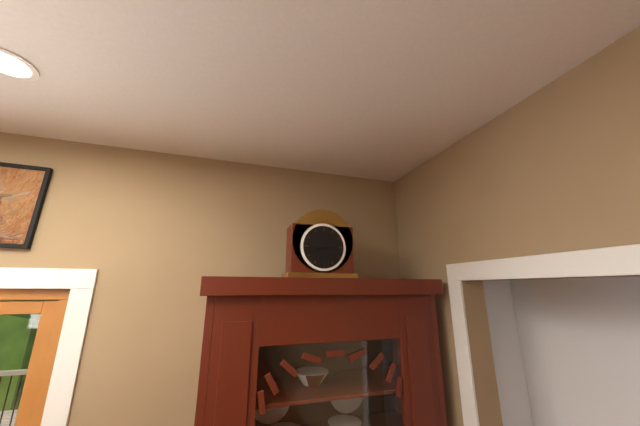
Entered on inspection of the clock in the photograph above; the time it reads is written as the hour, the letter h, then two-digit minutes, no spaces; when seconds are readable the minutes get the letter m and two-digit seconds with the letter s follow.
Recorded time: 2h42
